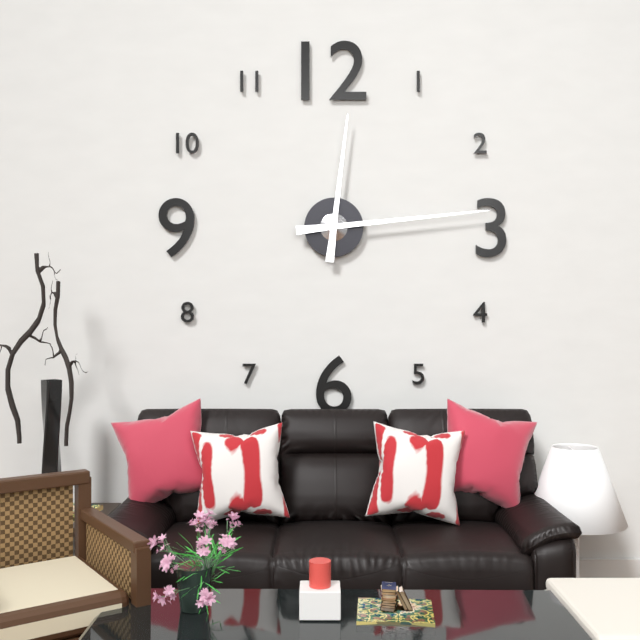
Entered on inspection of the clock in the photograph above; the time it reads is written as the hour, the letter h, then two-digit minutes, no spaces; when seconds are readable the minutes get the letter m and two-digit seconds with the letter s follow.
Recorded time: 12h14
